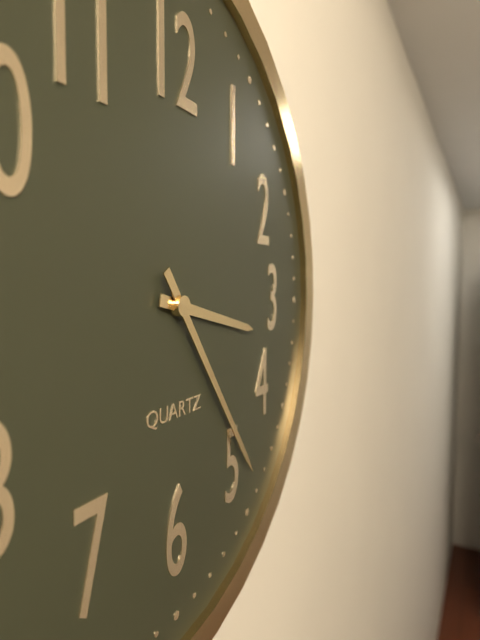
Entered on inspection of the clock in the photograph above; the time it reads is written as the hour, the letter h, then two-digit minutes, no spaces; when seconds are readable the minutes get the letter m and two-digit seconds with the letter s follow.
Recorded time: 3h24
